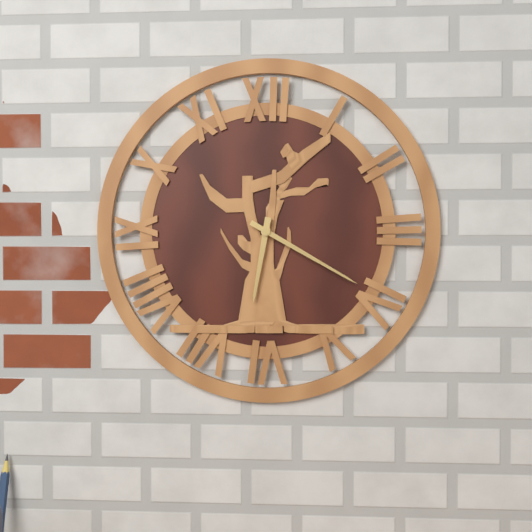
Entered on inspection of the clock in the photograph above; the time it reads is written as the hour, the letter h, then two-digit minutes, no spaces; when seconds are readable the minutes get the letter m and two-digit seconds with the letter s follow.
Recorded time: 6h20
